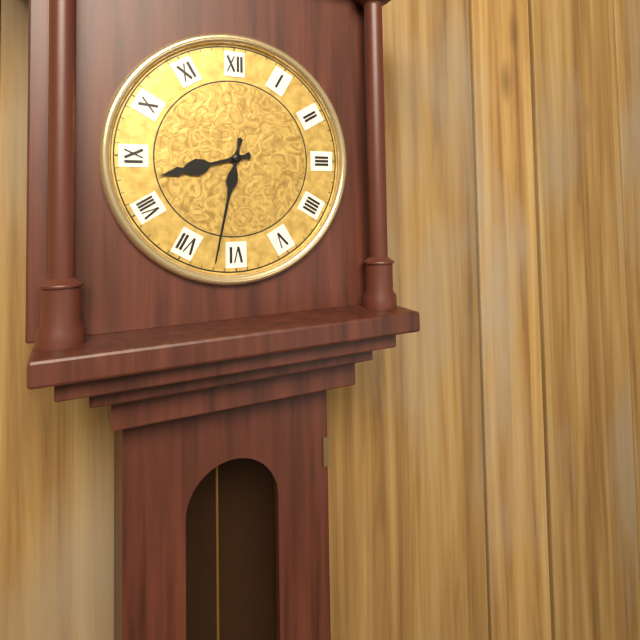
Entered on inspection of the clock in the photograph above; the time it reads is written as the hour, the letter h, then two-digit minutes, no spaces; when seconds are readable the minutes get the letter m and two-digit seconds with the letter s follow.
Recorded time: 8h32
